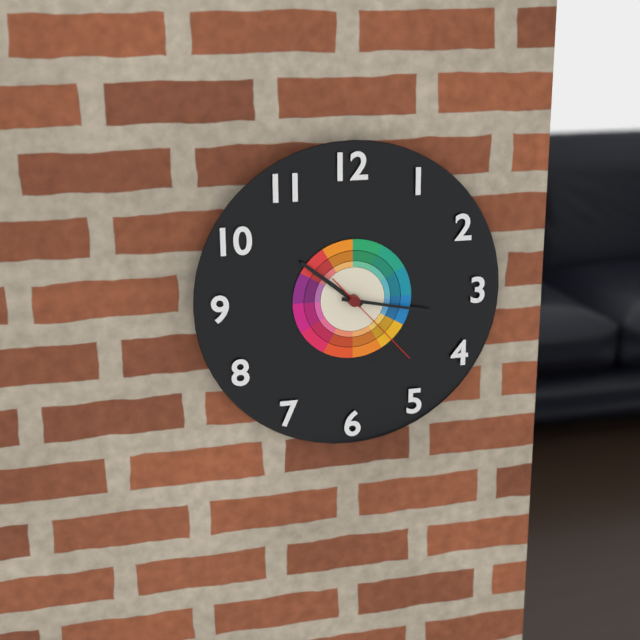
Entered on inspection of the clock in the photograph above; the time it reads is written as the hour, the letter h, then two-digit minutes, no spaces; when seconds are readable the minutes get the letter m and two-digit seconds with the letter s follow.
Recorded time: 10h17m23s
